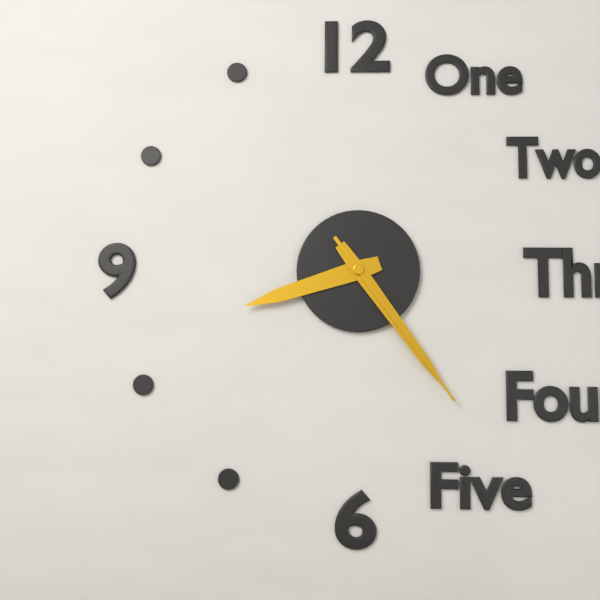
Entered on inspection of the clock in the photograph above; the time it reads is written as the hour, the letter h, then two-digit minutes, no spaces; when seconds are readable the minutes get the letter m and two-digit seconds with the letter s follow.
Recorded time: 8h24m24s
